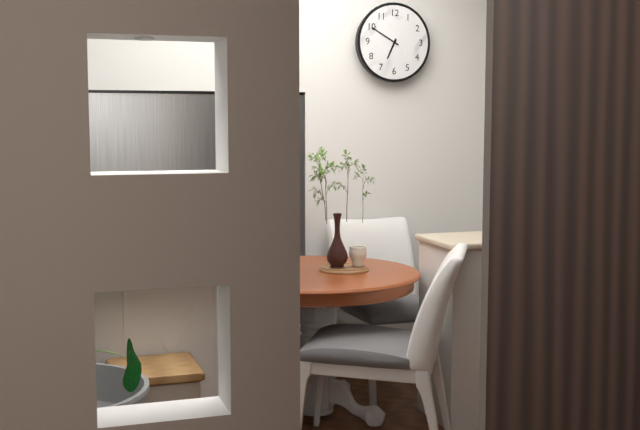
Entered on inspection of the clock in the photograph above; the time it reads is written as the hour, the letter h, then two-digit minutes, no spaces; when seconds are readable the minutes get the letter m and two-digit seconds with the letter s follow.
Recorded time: 6h50
